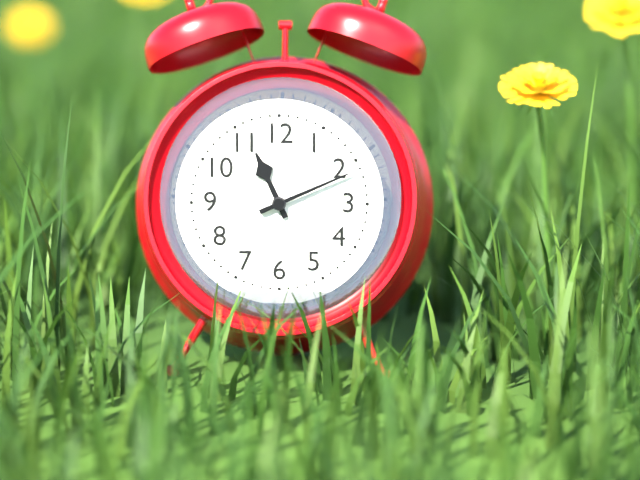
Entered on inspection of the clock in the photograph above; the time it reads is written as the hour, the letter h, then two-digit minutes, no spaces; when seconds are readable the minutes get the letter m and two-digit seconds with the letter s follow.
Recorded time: 11h11
